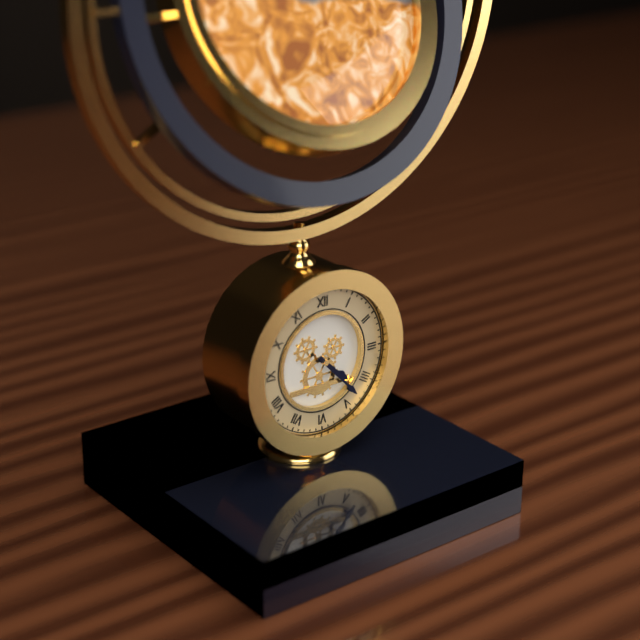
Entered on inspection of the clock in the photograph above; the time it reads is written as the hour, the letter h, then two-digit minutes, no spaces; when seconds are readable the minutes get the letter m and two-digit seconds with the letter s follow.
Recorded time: 4h23
